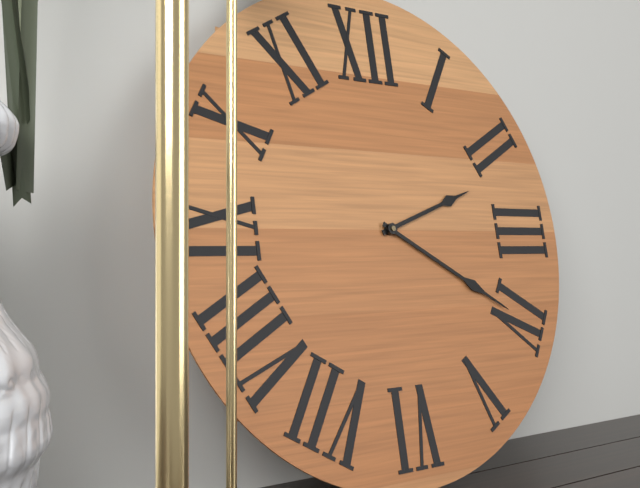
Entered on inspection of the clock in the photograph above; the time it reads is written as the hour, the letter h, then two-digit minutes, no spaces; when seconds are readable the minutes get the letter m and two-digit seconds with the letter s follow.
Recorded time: 2h20
